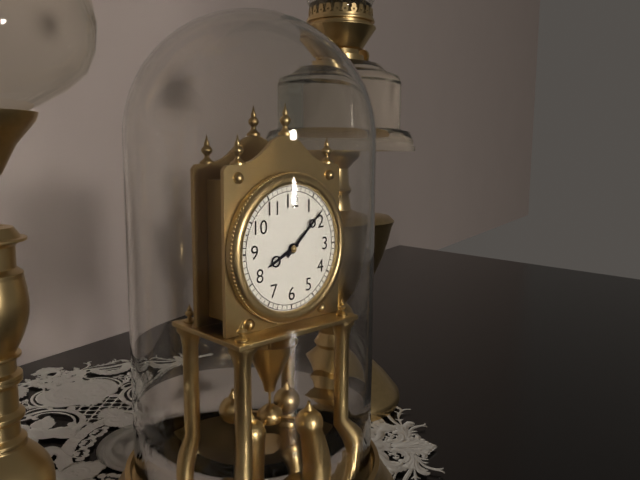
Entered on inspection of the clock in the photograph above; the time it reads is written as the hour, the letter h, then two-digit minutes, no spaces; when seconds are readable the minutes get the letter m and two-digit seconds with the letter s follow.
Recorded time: 8h08
